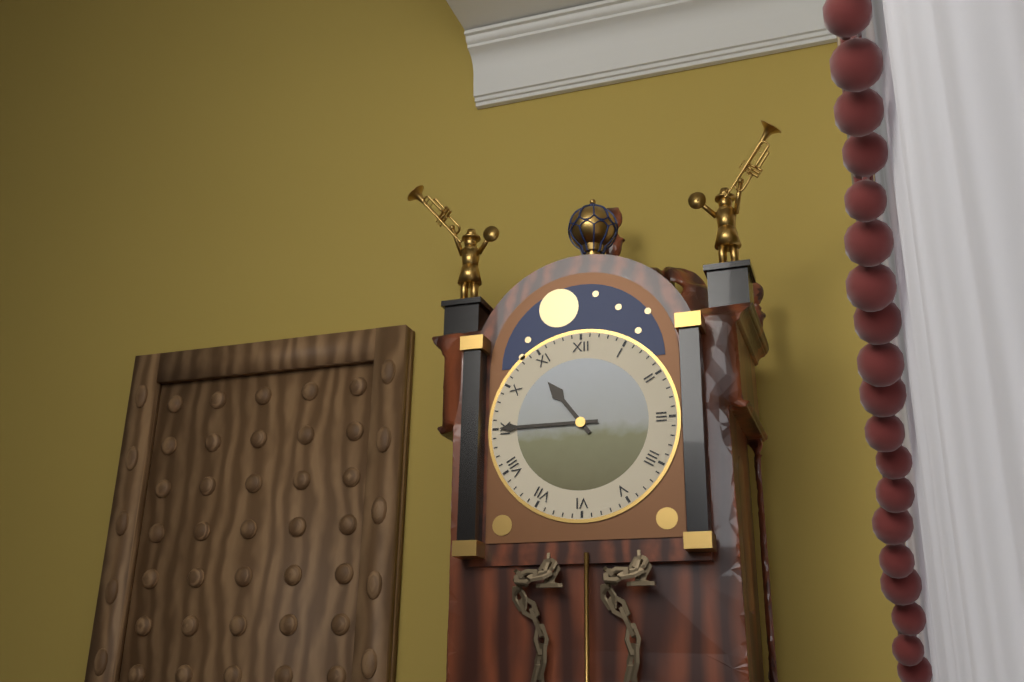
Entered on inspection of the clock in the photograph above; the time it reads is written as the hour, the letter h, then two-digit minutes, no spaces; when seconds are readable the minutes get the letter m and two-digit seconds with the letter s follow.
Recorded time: 10h45
